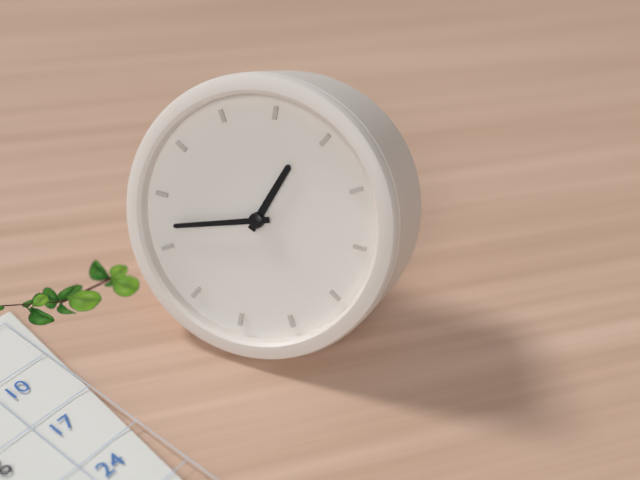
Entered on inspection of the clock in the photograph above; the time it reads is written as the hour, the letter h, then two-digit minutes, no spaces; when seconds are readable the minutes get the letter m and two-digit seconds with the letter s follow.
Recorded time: 12h42
